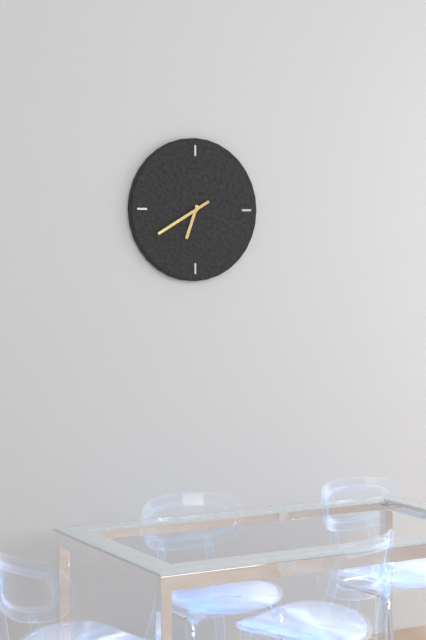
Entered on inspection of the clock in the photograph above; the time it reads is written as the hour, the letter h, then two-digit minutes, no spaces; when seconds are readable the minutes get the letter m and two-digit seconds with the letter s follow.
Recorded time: 6h40
